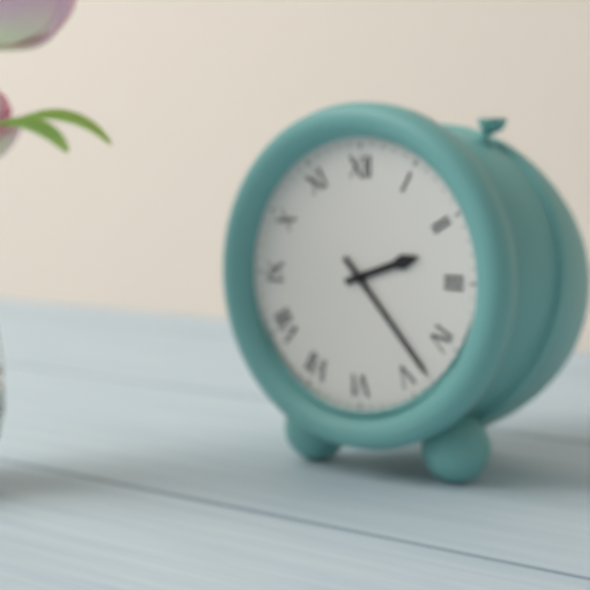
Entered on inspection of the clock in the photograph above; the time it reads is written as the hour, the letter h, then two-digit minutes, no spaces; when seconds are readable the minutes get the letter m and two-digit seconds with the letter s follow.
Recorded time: 2h23
